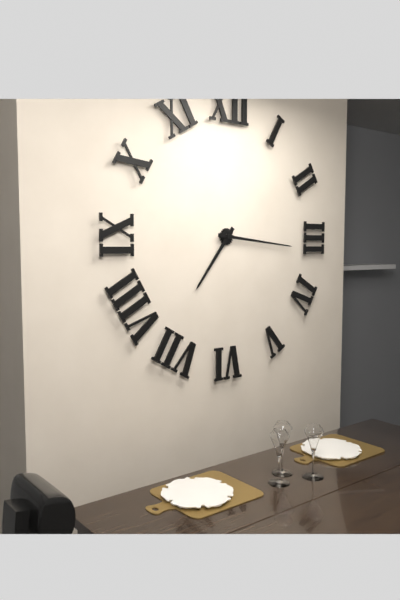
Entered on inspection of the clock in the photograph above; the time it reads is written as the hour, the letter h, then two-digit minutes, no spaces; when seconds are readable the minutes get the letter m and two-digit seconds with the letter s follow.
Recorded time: 7h16
